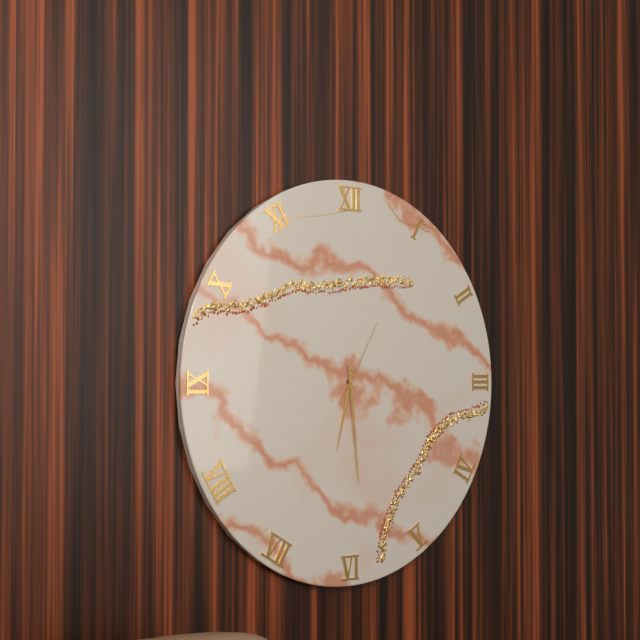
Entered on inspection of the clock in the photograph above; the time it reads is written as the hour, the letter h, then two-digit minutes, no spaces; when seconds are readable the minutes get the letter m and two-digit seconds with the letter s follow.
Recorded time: 6h29m05s
